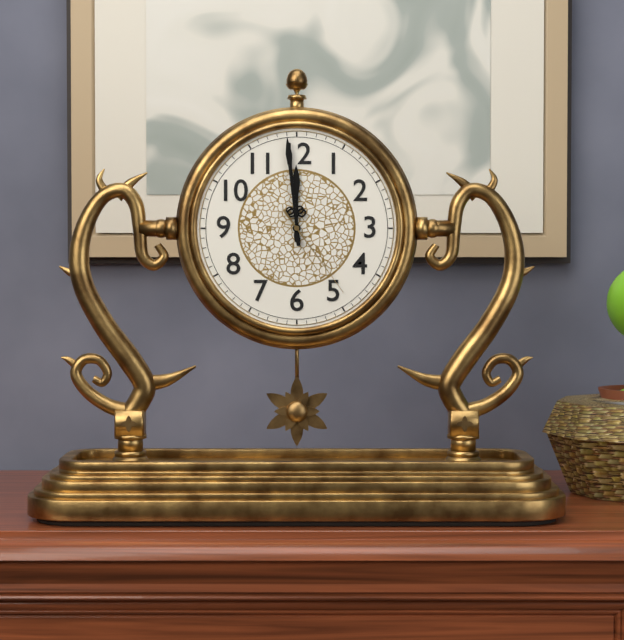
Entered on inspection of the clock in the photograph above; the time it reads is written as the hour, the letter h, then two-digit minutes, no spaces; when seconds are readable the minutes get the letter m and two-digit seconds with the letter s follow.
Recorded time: 11h59m24s
